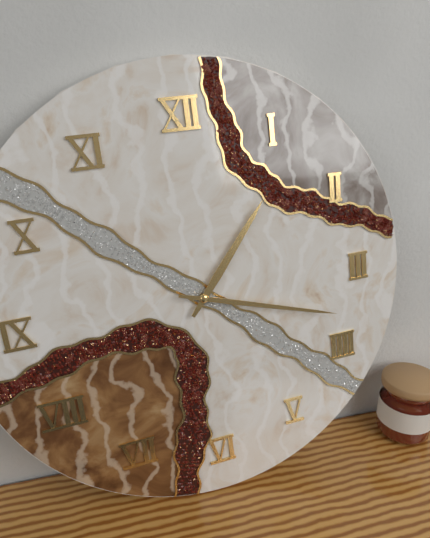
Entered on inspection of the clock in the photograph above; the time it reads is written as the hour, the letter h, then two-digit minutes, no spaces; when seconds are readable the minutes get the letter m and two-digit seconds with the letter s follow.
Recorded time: 1h18
